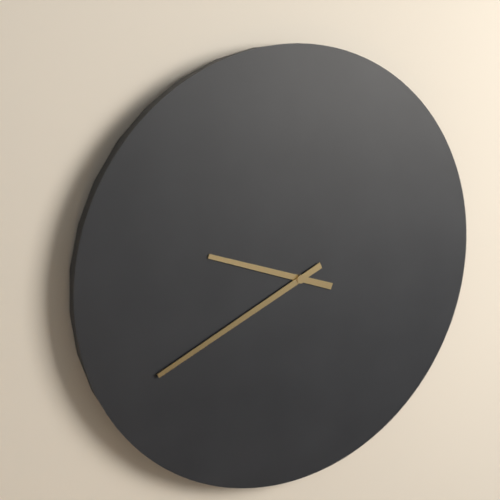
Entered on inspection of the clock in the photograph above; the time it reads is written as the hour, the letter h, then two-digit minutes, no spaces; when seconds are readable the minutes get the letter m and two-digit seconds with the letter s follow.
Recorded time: 9h41
